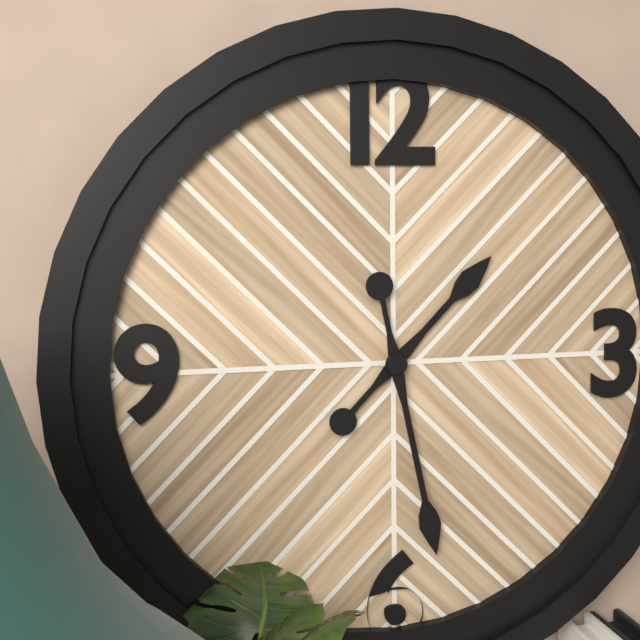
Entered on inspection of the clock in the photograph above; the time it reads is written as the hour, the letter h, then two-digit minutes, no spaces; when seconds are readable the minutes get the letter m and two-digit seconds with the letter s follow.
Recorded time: 1h28
